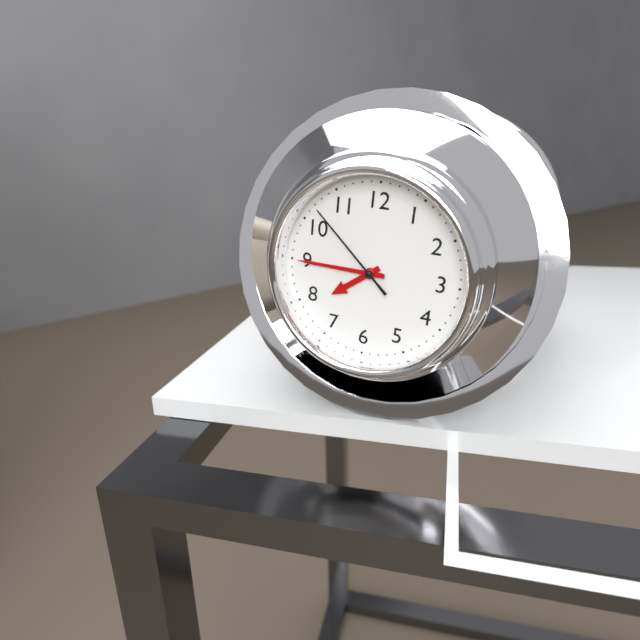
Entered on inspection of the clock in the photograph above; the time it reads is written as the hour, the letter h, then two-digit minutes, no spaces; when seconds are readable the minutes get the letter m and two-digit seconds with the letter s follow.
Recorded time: 7h45m52s
